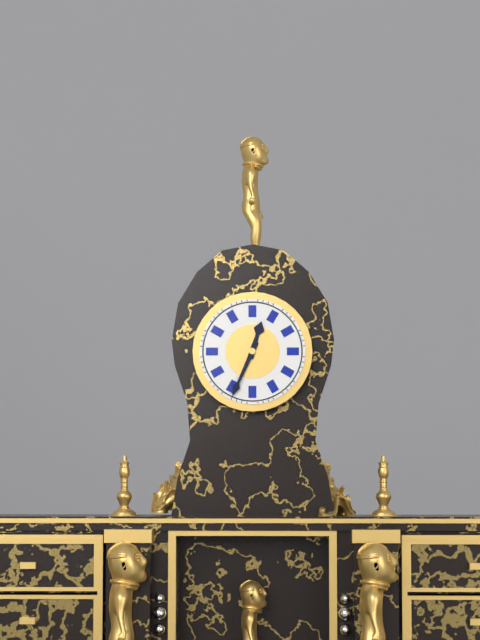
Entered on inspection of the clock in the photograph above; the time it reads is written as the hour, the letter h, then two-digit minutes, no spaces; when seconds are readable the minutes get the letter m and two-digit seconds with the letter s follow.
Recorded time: 12h34
